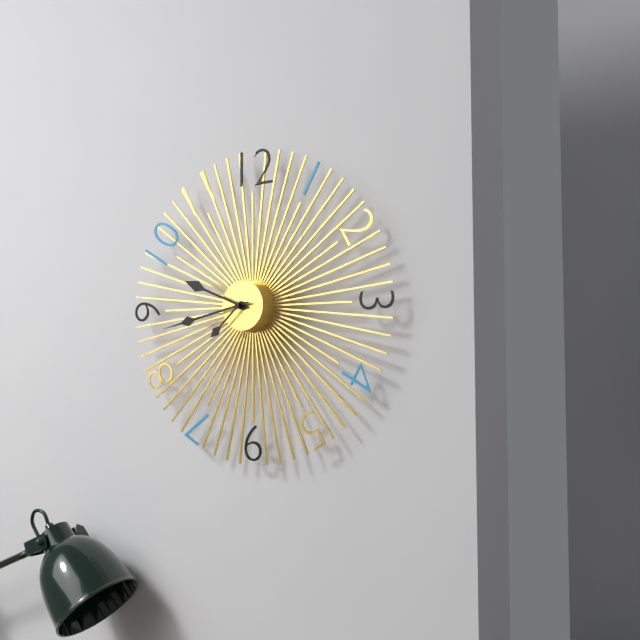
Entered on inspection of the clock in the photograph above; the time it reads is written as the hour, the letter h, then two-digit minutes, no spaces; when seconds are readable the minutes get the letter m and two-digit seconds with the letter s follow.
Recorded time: 9h43m38s
